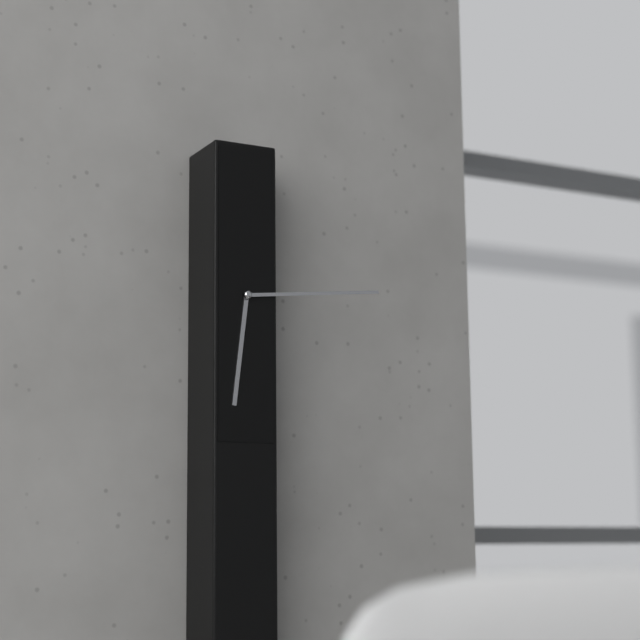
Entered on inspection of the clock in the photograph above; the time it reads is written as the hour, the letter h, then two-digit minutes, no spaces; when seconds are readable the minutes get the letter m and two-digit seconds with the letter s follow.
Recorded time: 6h14
